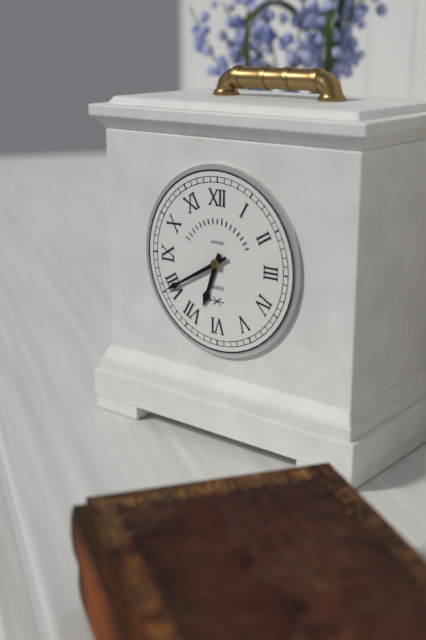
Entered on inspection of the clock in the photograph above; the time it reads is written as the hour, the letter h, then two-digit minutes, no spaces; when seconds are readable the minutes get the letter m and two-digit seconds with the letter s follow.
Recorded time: 6h40
